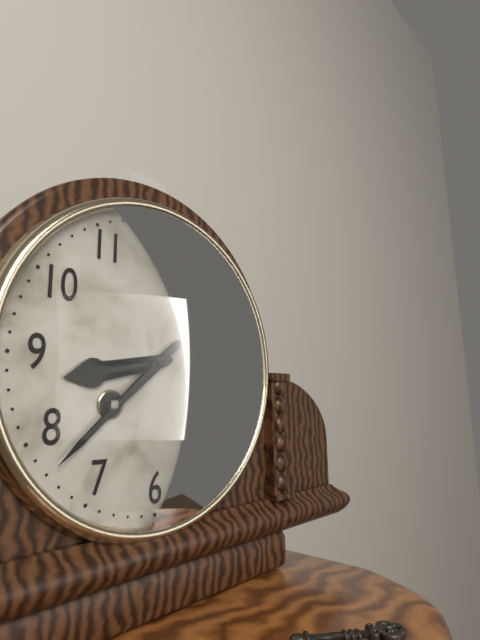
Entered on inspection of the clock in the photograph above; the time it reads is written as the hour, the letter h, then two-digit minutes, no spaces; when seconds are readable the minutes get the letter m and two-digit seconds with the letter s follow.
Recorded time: 8h38
